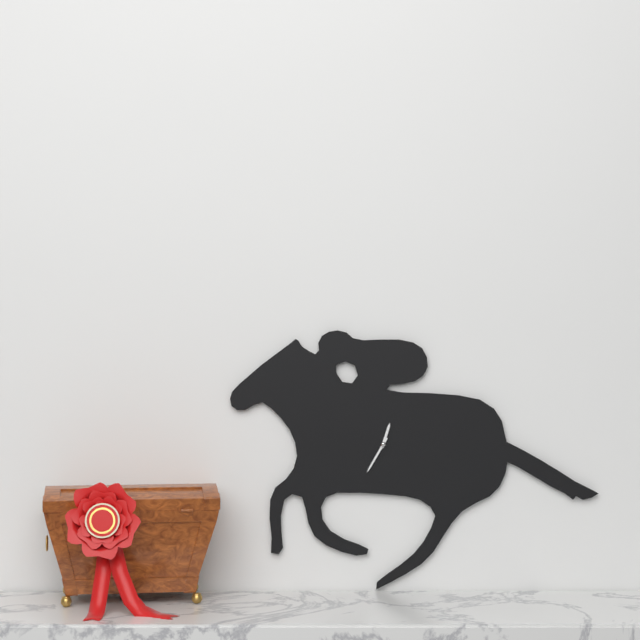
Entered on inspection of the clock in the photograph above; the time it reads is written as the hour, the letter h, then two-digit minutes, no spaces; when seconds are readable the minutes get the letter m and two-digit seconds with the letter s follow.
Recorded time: 12h35
